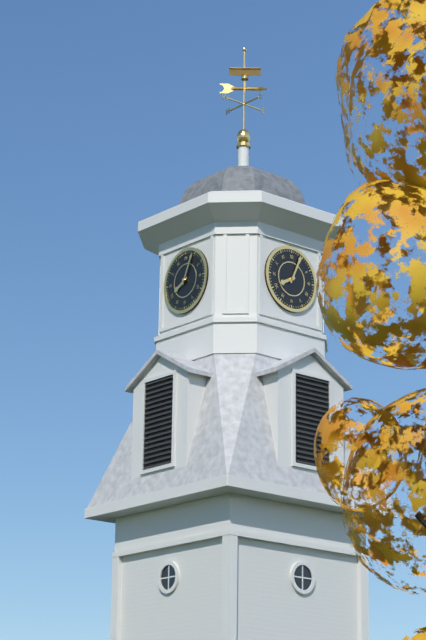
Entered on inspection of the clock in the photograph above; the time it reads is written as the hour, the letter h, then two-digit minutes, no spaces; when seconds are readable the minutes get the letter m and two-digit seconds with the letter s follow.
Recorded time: 8h04
